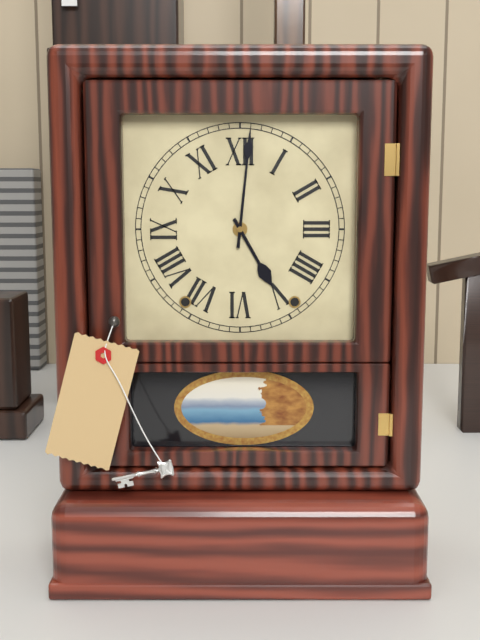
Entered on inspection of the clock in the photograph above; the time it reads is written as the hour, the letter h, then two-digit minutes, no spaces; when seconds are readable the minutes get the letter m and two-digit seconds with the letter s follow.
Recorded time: 5h01
